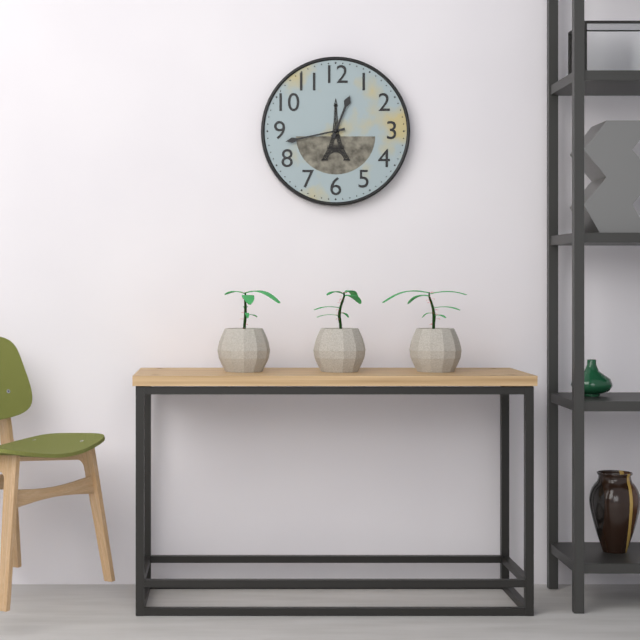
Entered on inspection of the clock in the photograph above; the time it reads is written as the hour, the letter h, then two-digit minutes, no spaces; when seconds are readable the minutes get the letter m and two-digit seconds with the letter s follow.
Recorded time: 12h43
